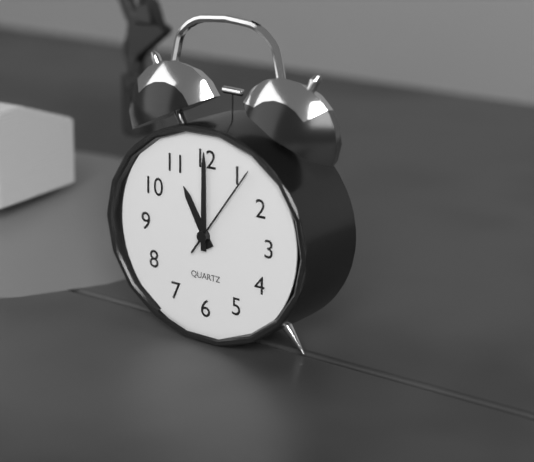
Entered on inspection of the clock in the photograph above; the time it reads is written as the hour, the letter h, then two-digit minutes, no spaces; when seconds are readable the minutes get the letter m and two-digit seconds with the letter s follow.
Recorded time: 11h00m06s
